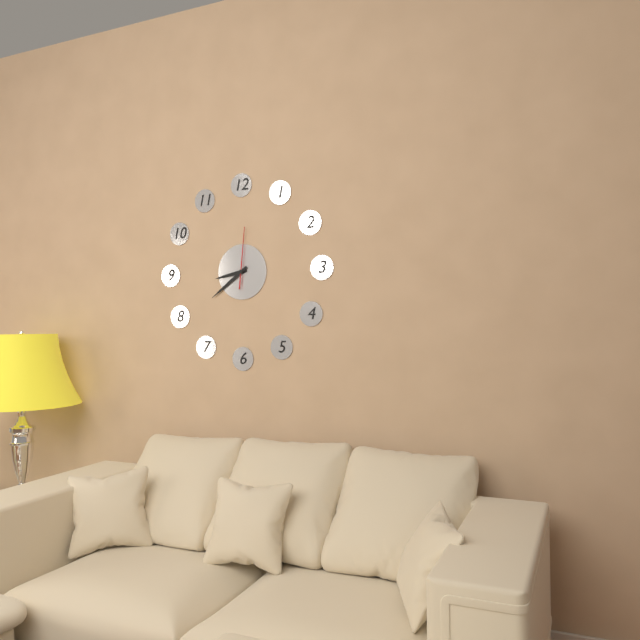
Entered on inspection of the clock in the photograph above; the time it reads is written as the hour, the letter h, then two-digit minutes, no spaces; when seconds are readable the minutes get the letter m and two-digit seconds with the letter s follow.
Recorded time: 8h39m01s
